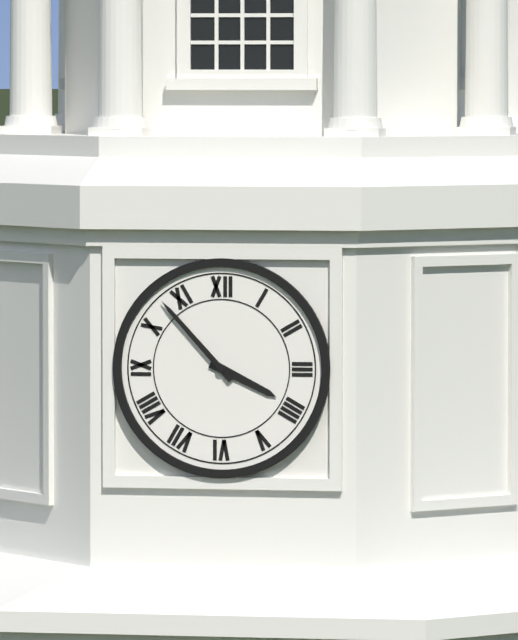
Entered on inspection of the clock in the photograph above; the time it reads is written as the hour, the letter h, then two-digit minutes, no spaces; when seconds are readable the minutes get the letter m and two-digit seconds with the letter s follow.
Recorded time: 3h53
